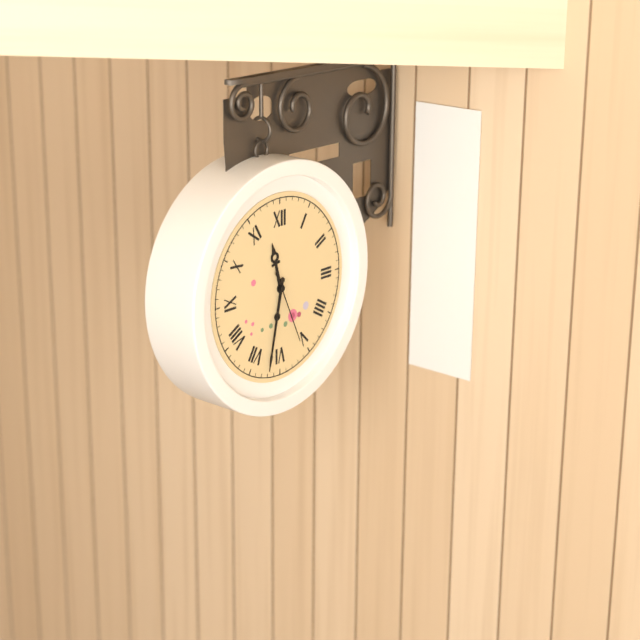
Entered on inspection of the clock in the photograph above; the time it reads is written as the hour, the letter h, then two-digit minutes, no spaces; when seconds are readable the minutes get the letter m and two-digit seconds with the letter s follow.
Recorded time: 11h32m26s
